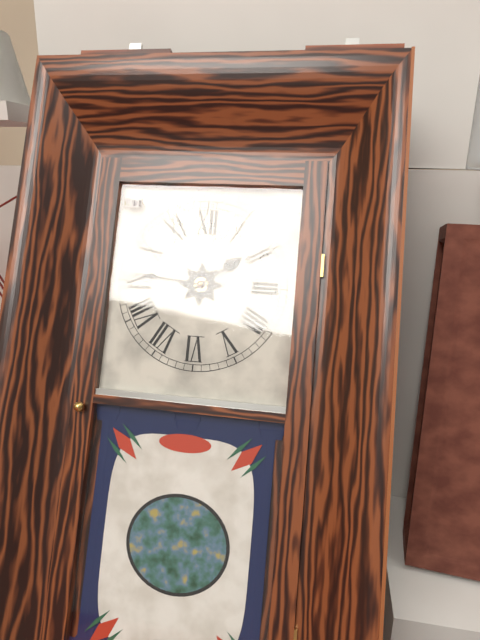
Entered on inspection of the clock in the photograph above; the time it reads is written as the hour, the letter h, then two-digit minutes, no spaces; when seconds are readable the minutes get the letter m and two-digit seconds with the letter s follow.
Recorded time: 1h46
